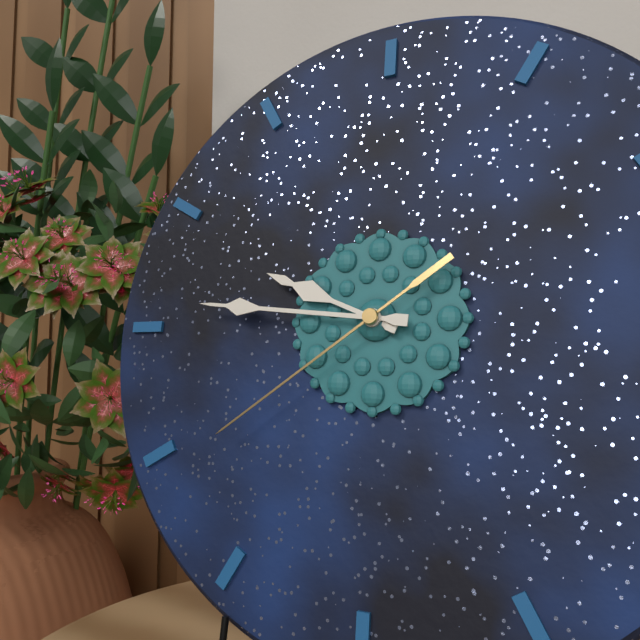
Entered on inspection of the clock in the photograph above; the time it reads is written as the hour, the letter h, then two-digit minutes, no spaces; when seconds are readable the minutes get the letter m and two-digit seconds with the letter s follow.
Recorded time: 9h46m39s
